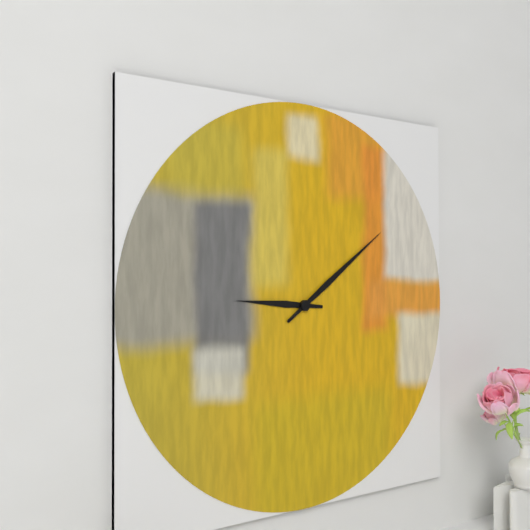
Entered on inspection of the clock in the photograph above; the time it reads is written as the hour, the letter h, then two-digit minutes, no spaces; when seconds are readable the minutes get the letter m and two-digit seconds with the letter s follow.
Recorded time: 9h09
